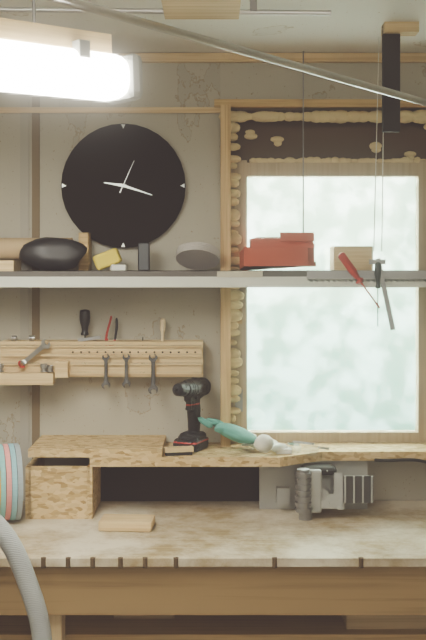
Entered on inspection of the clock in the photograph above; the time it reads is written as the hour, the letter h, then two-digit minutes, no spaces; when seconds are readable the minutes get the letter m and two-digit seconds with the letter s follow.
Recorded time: 9h18
